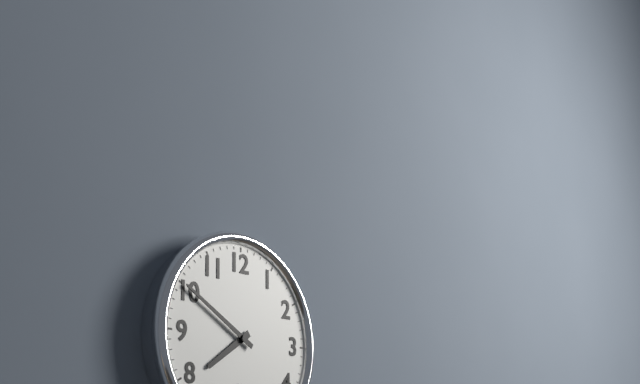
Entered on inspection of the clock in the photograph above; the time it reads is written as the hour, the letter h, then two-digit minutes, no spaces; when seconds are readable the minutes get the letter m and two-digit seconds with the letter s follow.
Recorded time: 7h50
